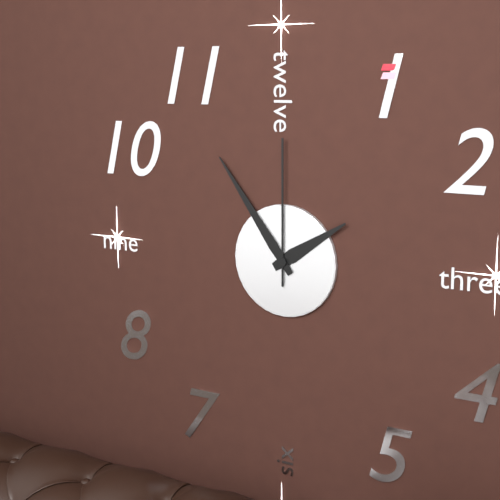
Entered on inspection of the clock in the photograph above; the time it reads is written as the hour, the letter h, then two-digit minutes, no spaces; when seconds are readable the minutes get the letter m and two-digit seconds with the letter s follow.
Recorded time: 1h54m00s
